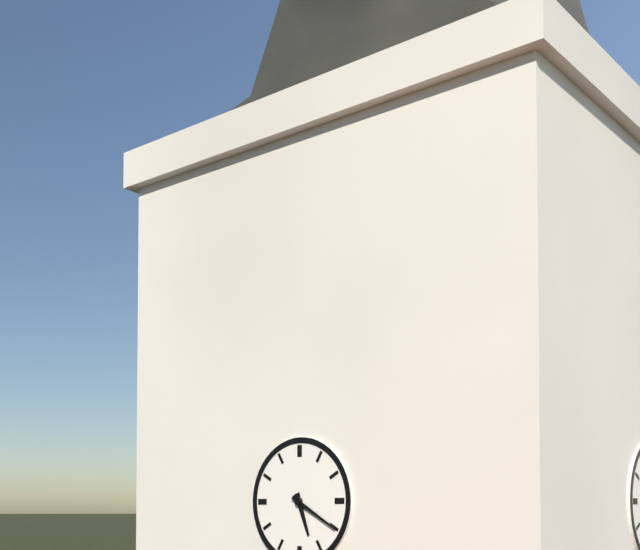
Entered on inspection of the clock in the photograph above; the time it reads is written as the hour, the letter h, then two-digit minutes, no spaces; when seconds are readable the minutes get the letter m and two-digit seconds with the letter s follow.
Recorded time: 5h20
